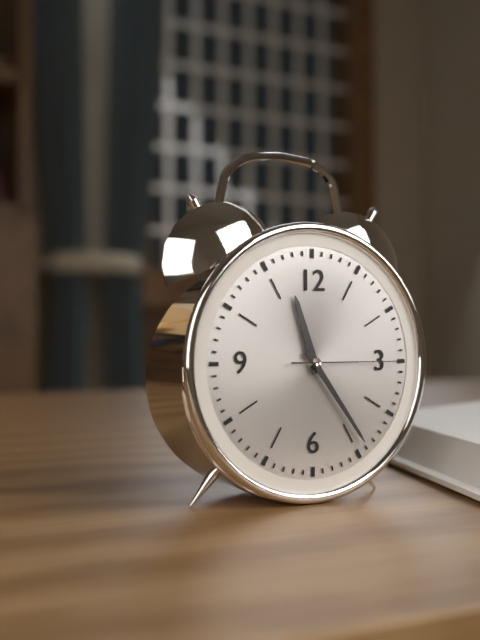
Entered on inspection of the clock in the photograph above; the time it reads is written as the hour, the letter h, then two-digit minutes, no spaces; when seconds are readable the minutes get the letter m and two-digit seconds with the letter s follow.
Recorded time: 11h24m15s
